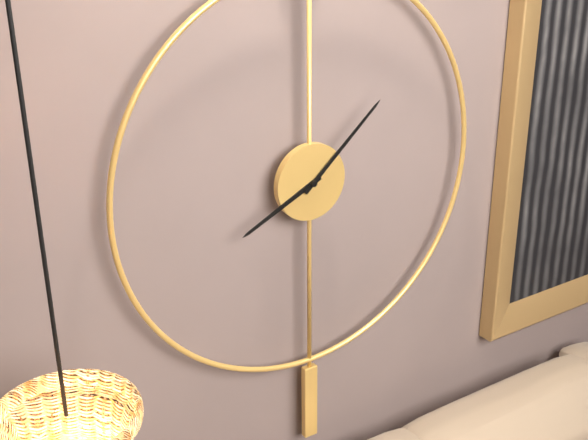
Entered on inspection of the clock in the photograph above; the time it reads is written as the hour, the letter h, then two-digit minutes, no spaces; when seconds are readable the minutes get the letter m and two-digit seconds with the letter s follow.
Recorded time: 8h08
